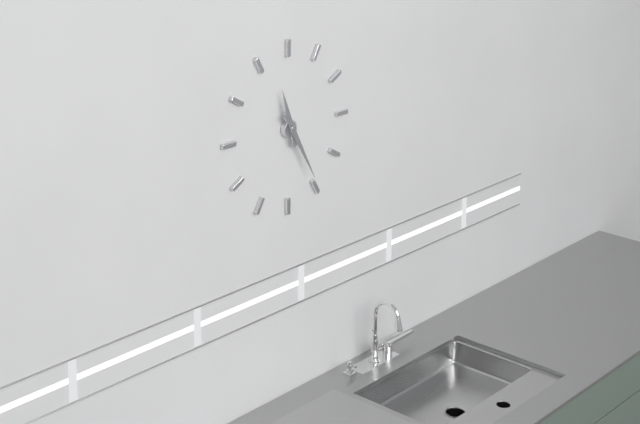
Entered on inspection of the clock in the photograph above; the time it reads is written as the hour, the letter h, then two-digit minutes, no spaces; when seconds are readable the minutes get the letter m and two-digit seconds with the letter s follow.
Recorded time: 11h25
